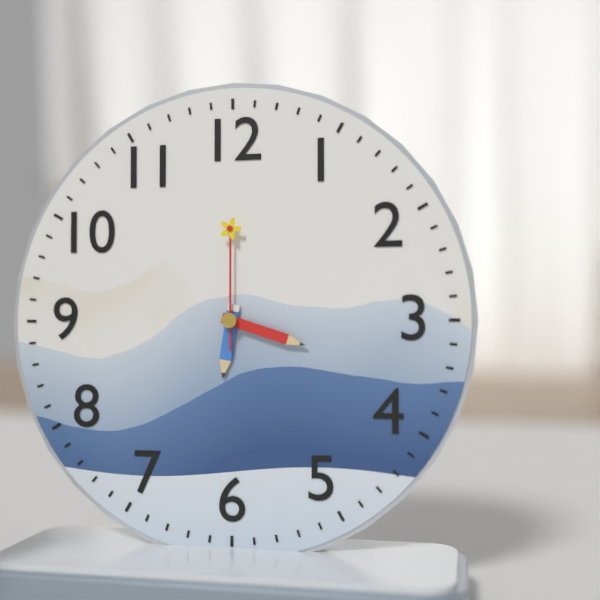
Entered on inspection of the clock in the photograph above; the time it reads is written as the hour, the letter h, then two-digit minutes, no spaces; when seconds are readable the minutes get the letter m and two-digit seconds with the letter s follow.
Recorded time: 6h18m00s
